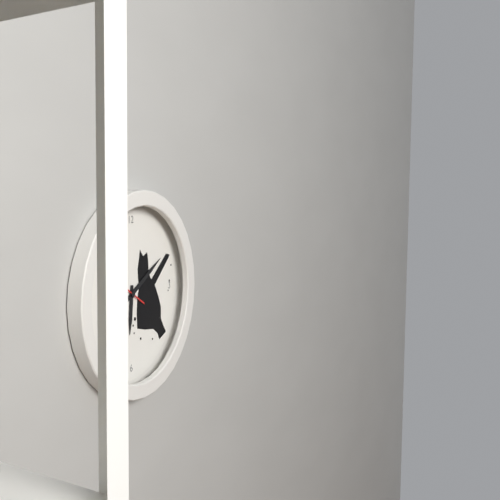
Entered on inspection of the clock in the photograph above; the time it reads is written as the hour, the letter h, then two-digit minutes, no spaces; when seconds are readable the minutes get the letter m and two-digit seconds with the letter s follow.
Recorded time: 6h10
